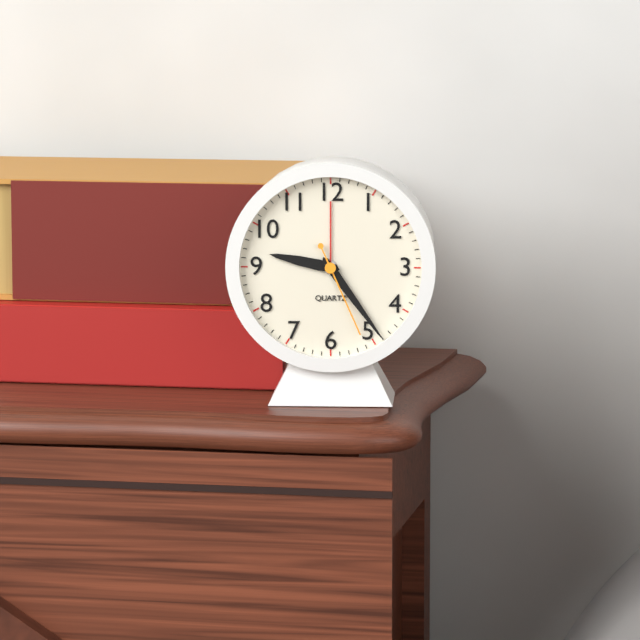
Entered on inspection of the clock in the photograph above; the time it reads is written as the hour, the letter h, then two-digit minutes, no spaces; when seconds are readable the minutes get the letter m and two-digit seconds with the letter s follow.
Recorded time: 9h24m26s
